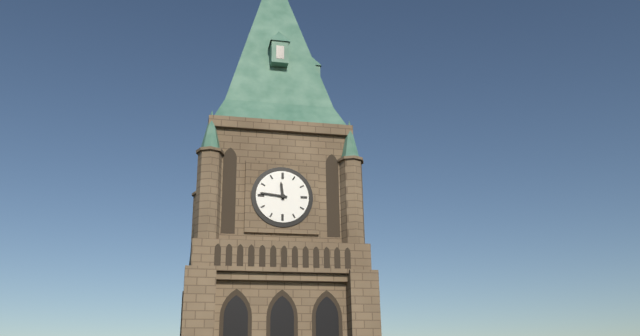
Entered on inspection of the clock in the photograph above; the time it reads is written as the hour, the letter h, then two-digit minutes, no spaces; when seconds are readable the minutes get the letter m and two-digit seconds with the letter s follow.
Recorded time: 11h46
